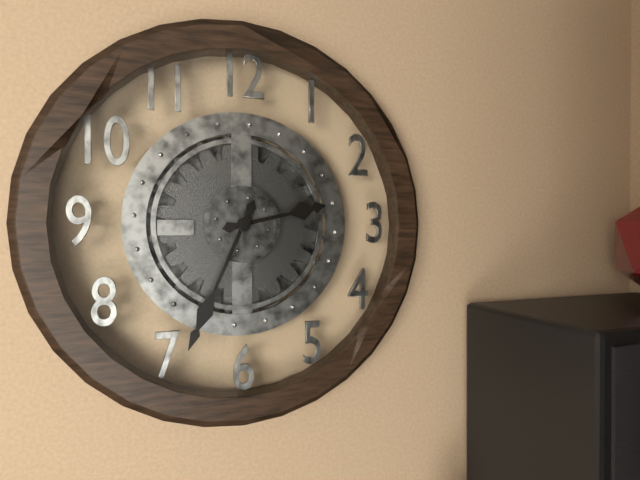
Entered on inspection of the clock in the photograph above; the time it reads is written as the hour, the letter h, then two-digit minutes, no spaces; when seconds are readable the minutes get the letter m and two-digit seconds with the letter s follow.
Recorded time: 2h34
